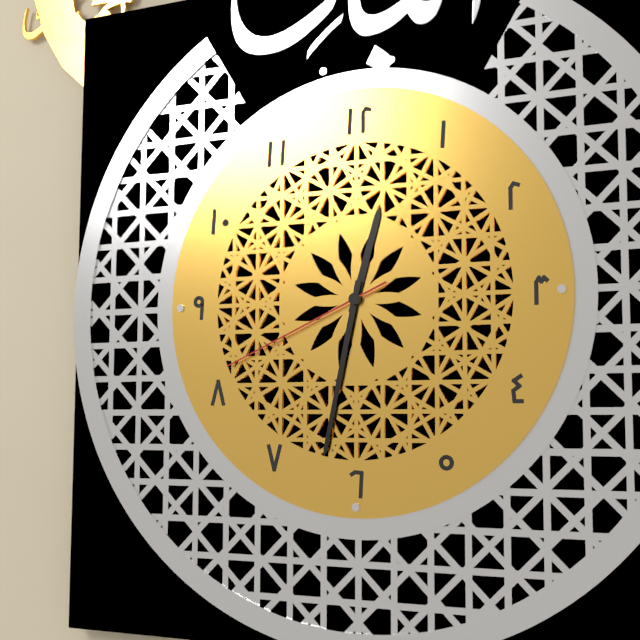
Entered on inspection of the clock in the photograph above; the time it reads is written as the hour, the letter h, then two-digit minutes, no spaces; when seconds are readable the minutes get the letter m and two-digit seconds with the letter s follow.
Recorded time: 12h32m41s
